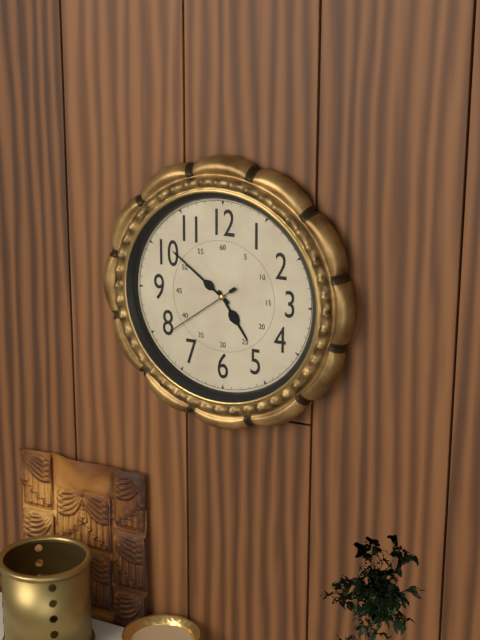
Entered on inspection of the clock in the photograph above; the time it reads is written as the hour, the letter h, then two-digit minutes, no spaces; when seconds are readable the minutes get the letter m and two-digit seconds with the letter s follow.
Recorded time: 4h51m39s
